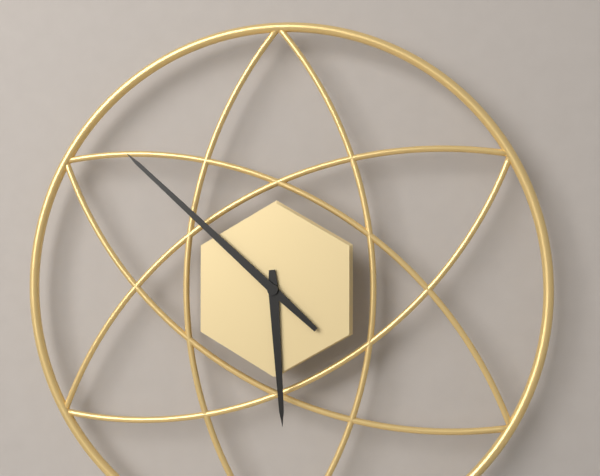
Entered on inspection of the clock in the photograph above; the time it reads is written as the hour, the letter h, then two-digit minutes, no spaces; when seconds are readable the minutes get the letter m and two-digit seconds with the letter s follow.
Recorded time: 5h52
